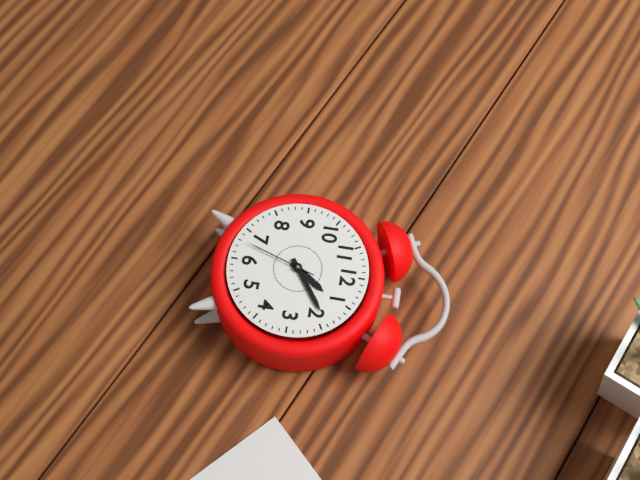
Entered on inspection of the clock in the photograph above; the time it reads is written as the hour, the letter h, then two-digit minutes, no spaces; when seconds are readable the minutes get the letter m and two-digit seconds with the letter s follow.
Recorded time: 1h09m33s
